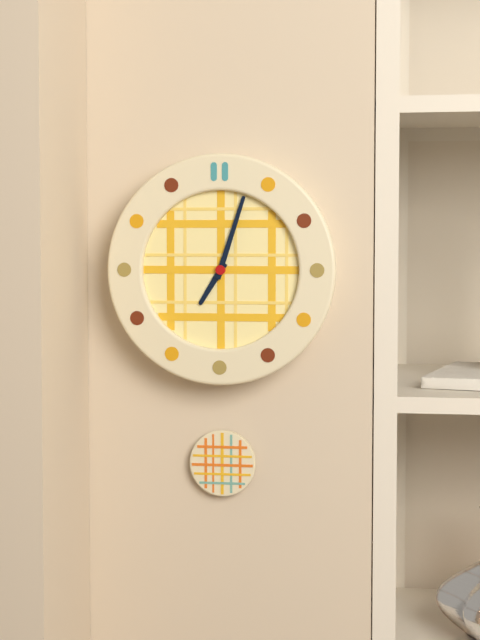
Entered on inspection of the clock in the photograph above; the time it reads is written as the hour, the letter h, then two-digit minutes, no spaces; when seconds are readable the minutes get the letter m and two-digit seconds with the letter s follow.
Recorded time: 7h03
